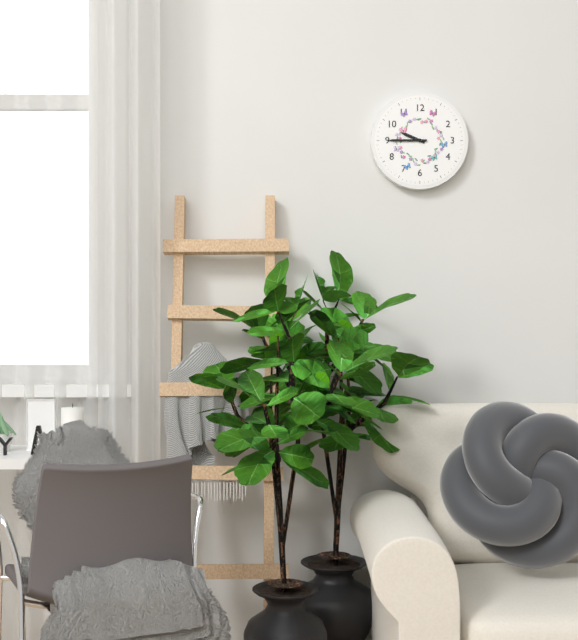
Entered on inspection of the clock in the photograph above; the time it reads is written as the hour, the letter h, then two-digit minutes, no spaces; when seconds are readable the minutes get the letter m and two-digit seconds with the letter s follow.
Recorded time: 9h45
